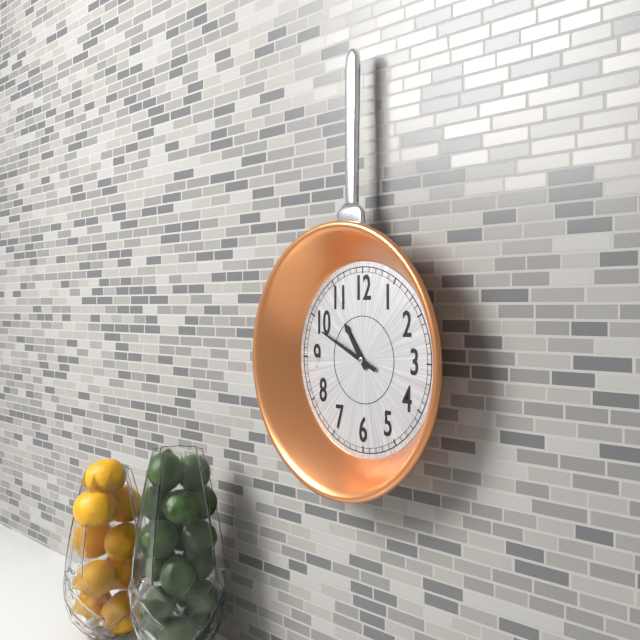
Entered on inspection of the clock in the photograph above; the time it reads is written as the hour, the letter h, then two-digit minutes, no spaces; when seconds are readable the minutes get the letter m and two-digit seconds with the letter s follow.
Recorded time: 10h49
